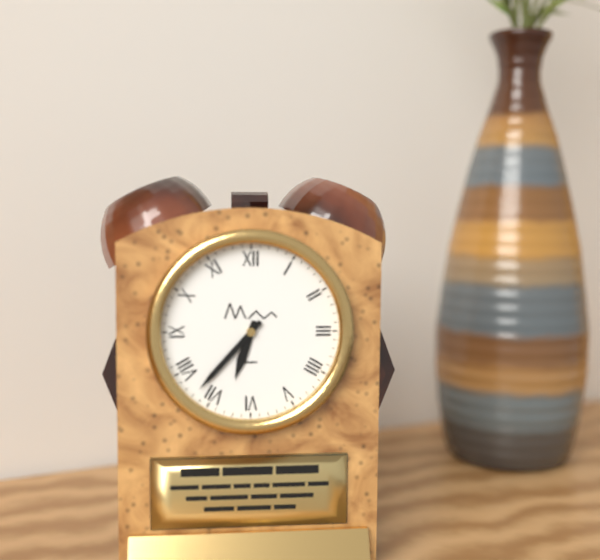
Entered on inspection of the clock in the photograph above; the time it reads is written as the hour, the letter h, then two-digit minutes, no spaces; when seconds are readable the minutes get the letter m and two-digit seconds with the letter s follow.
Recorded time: 6h37
